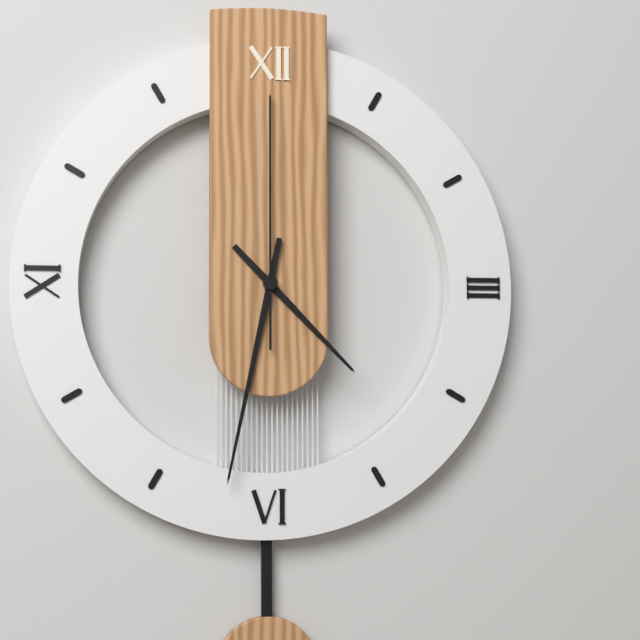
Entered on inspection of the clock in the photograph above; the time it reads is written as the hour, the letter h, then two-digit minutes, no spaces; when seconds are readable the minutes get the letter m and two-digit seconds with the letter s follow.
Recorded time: 4h32m00s
